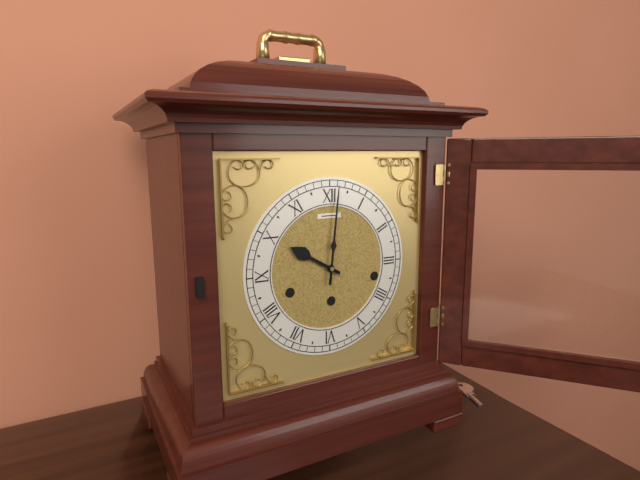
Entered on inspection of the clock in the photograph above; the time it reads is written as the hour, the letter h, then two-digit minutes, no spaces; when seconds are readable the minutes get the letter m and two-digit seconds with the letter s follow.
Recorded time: 10h01
